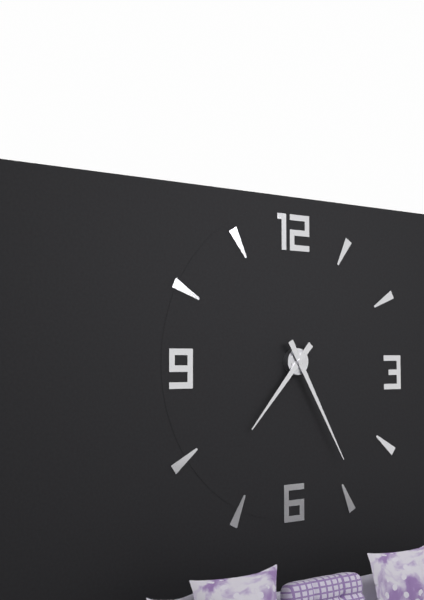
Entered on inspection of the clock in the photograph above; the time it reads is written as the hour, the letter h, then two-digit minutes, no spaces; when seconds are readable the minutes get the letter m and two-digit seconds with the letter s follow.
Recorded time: 7h25
